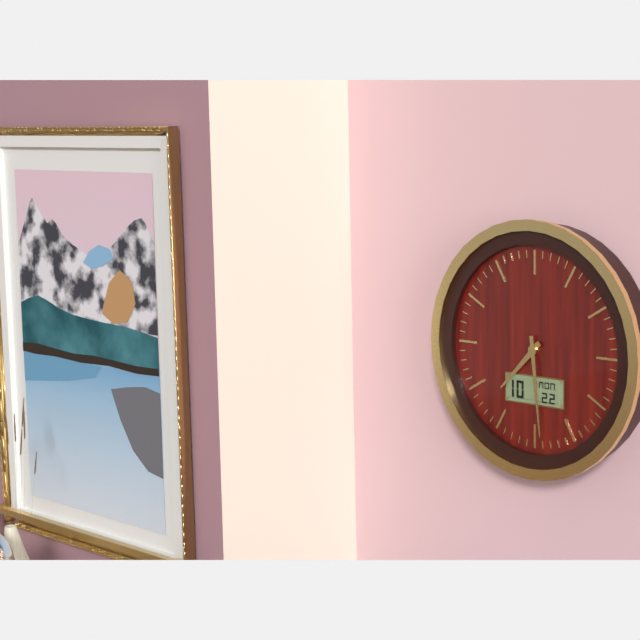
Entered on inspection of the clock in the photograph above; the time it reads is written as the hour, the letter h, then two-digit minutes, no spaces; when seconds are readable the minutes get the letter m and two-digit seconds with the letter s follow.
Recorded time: 7h29
